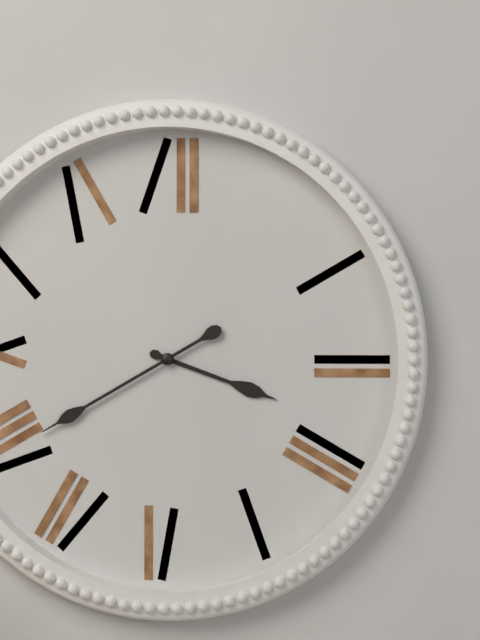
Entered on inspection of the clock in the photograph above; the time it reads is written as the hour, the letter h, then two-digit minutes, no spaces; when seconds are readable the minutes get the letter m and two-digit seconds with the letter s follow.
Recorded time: 3h40
